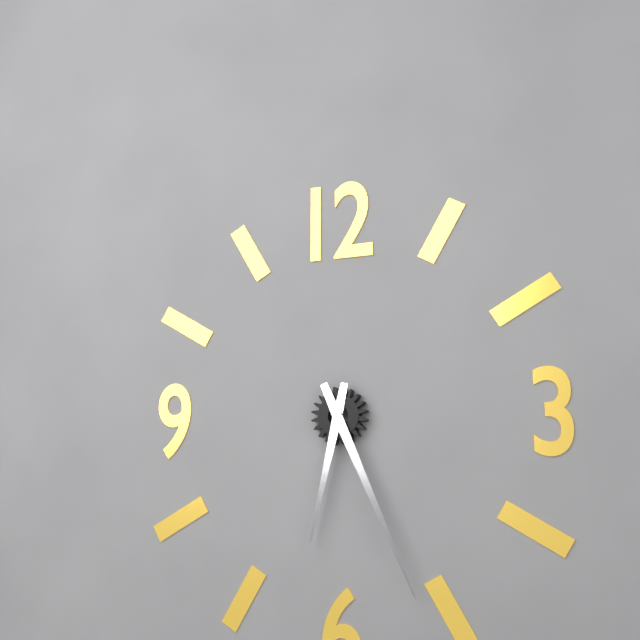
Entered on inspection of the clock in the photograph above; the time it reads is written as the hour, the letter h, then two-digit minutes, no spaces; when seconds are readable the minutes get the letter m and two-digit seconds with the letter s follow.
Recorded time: 6h26
